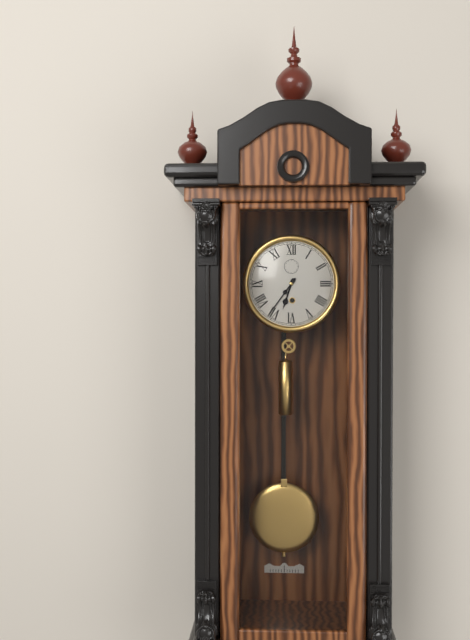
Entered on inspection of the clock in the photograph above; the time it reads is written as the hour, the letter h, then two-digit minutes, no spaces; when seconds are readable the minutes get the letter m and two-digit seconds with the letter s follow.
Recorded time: 6h36
